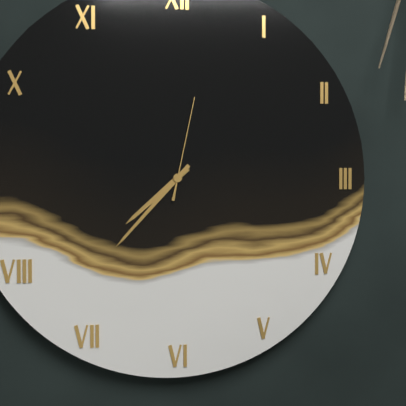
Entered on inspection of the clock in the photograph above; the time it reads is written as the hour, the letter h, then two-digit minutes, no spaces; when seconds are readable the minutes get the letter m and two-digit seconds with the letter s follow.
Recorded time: 7h37m02s
